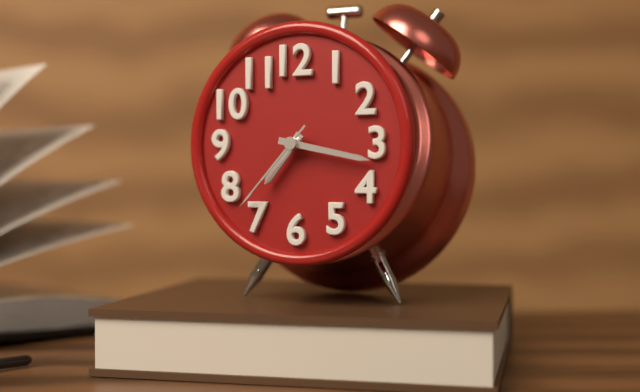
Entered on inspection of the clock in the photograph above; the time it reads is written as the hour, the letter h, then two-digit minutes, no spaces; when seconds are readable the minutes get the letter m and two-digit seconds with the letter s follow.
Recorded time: 7h17m37s
